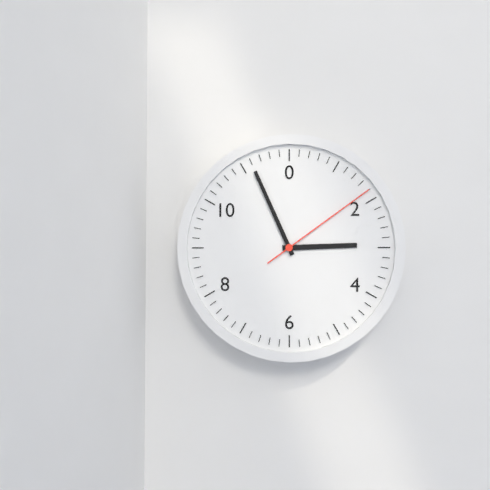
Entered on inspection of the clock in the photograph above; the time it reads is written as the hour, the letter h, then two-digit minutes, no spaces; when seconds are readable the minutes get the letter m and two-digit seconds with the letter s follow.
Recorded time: 2h56m09s
